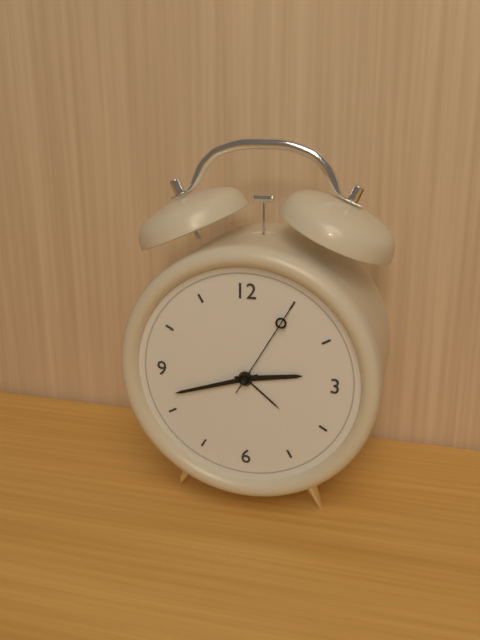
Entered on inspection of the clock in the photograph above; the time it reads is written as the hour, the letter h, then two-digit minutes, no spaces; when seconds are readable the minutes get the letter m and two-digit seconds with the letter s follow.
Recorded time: 2h42m05s
